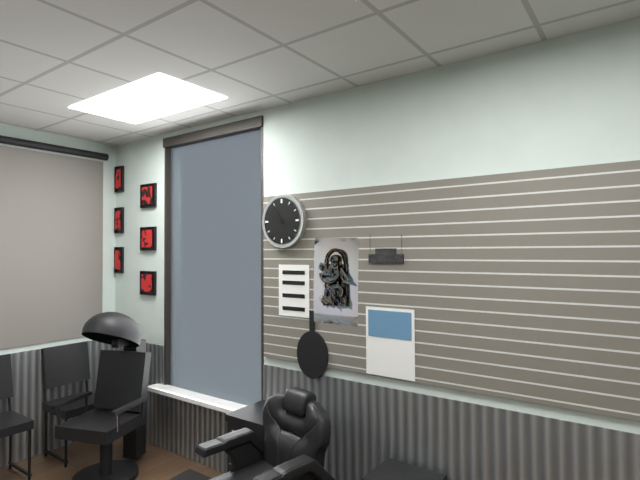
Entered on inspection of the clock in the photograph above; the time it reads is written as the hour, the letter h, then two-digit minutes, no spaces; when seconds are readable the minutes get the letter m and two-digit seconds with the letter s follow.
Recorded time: 10h52
